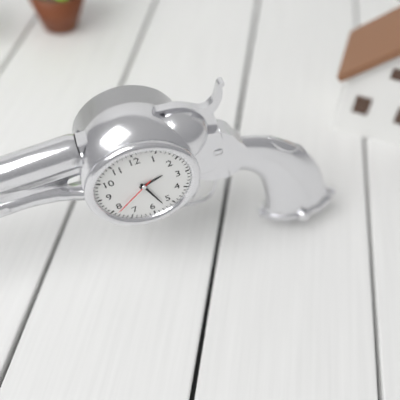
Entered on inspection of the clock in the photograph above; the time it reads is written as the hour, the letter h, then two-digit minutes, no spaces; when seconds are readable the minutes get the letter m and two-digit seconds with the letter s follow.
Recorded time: 2h27
